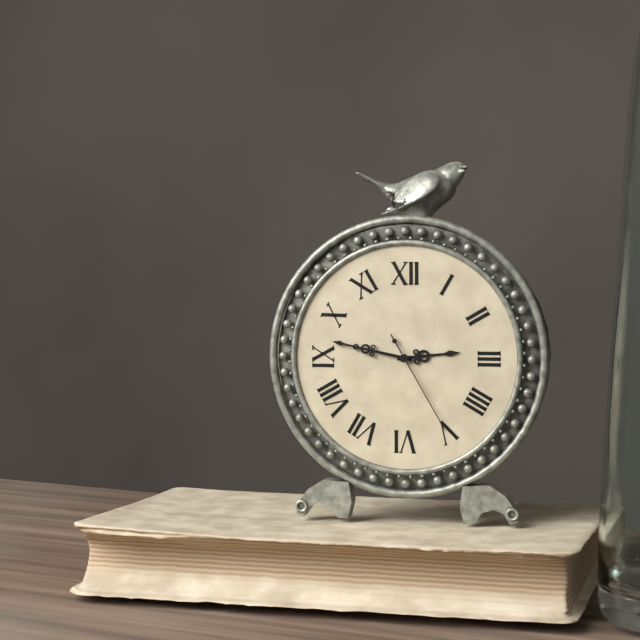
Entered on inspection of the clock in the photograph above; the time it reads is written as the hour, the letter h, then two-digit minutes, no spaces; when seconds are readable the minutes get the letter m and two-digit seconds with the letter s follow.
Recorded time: 2h47m25s
